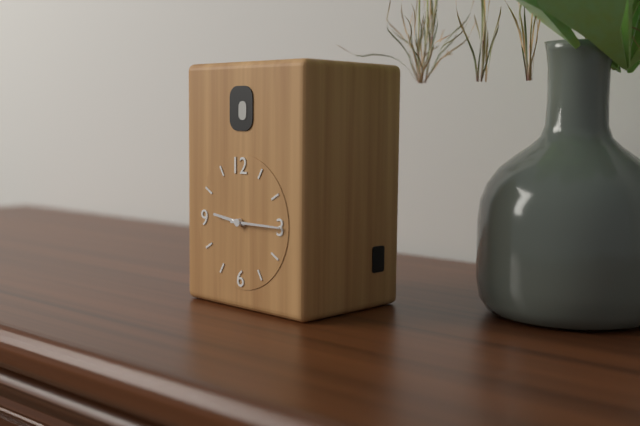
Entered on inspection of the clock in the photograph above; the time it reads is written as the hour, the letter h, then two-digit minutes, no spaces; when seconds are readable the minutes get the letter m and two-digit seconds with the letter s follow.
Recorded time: 9h15
